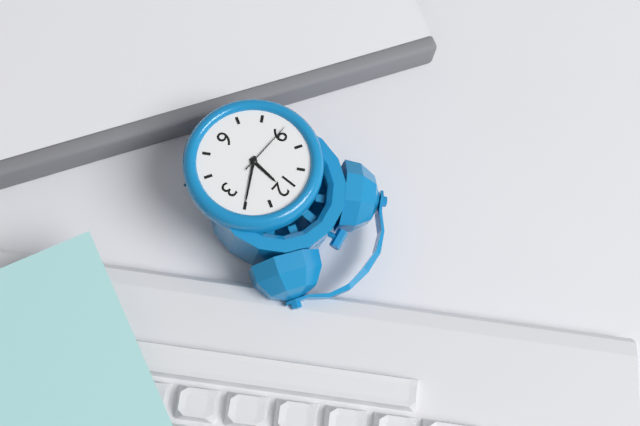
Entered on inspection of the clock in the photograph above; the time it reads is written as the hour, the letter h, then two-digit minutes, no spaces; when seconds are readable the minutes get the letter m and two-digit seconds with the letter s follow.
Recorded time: 12h10m45s
